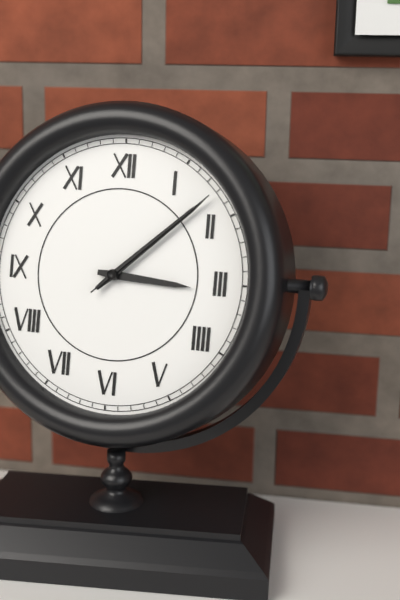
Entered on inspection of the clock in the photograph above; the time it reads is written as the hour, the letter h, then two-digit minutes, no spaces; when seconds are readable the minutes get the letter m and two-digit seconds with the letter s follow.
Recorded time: 3h08m08s
